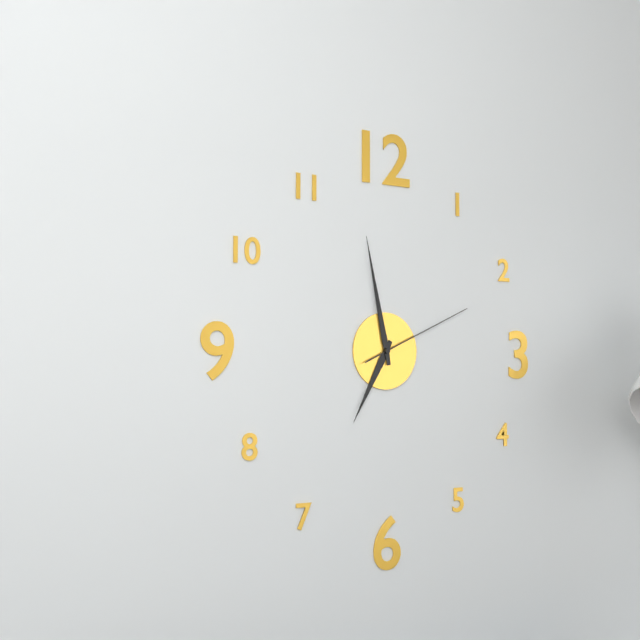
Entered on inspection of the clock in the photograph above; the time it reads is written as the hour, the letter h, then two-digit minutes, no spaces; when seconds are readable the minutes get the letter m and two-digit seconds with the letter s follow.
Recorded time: 6h58m11s
